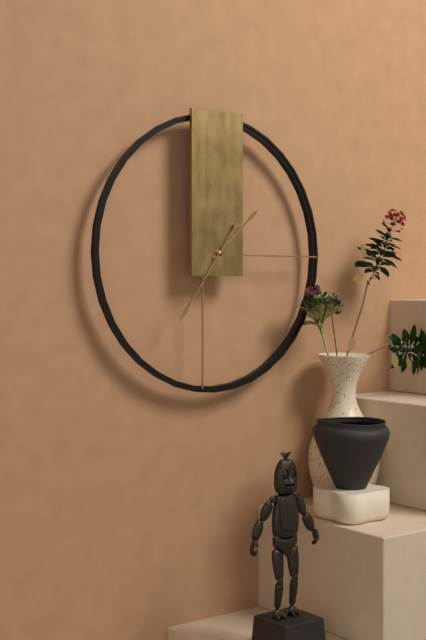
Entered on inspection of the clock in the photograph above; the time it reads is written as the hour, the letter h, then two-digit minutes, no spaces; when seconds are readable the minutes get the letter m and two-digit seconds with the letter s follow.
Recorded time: 1h36
